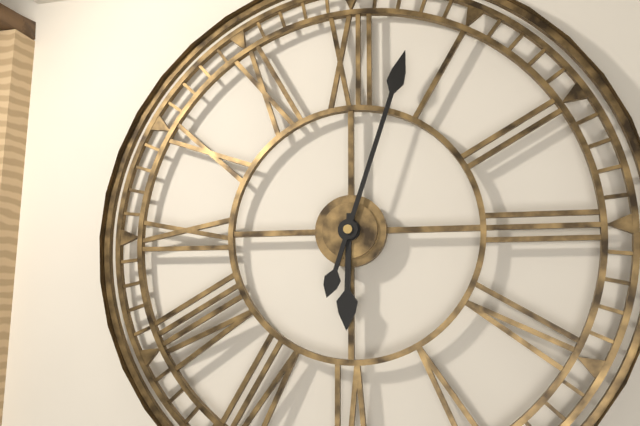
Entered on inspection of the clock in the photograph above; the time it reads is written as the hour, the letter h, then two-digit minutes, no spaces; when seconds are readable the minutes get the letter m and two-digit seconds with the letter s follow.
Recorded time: 6h03
